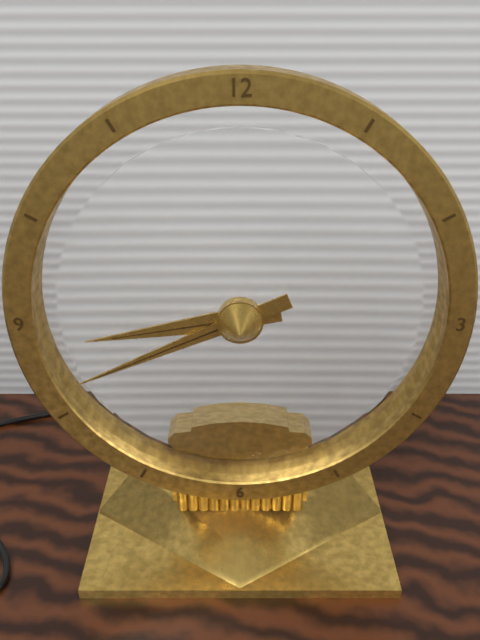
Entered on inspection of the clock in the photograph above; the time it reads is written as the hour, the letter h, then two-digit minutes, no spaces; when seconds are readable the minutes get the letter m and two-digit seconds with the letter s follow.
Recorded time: 8h41
